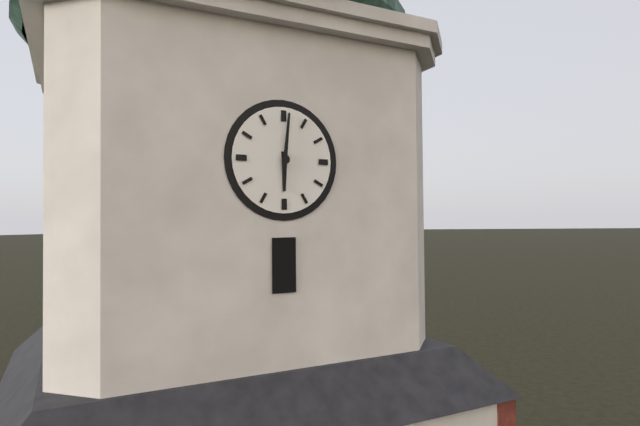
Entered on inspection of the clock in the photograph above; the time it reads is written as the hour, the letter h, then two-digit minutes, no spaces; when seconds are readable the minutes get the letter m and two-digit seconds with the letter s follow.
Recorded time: 6h01
